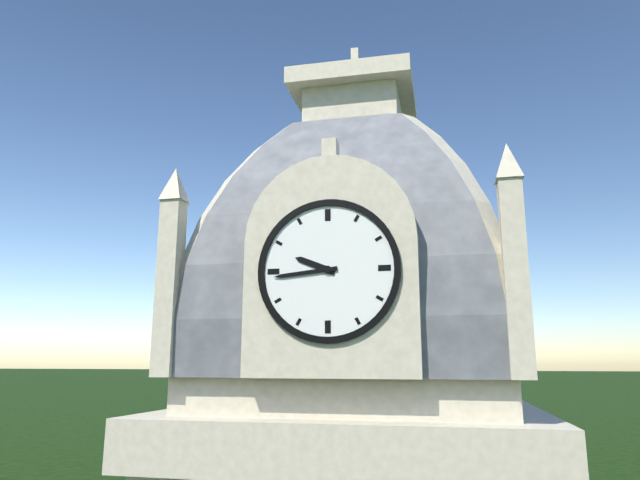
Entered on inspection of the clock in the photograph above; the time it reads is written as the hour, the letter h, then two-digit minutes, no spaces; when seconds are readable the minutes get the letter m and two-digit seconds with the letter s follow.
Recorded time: 9h44
